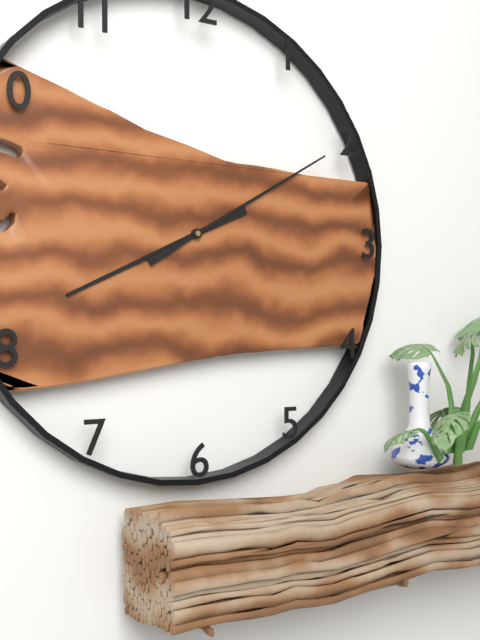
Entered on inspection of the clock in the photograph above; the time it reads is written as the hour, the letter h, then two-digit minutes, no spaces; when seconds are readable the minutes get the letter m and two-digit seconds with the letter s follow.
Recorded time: 8h10
